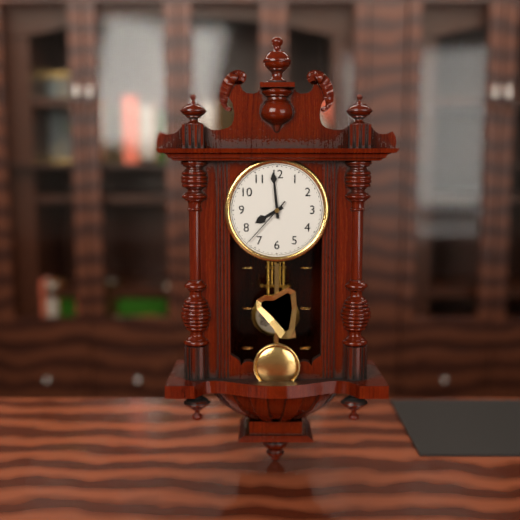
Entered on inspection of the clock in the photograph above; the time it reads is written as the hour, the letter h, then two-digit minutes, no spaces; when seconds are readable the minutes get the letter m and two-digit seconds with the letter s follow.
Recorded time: 7h59m37s
